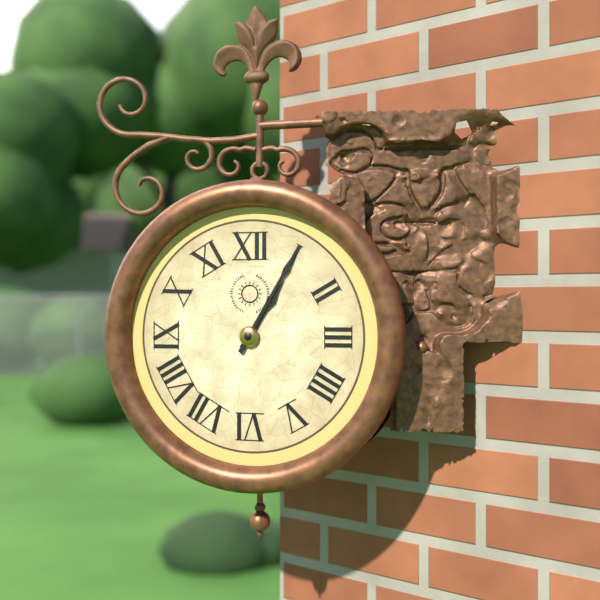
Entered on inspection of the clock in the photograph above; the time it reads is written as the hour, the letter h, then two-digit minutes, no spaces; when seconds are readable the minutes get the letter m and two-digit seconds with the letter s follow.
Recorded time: 1h05
